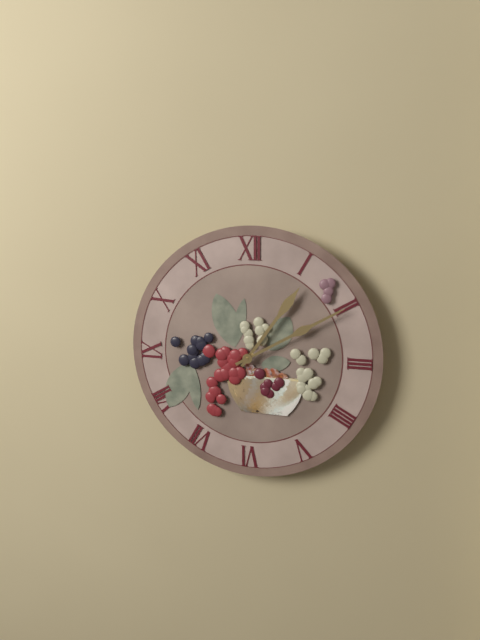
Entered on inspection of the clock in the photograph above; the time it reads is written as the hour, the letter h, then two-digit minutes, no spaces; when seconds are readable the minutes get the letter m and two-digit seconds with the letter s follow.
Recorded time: 1h10
